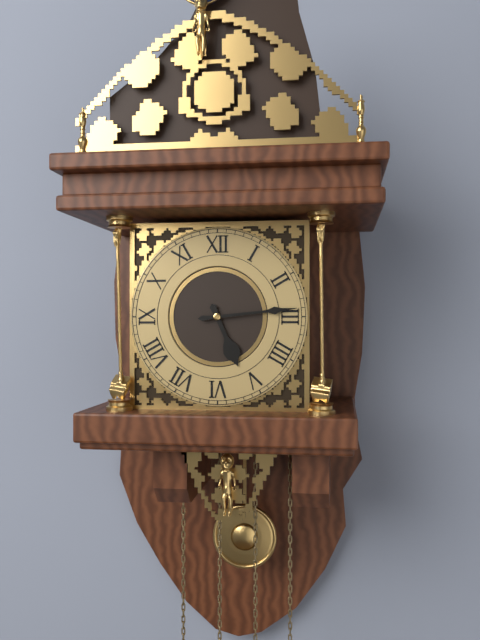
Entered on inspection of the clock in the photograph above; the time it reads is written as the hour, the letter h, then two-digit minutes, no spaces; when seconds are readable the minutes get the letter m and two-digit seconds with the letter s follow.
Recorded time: 5h14
